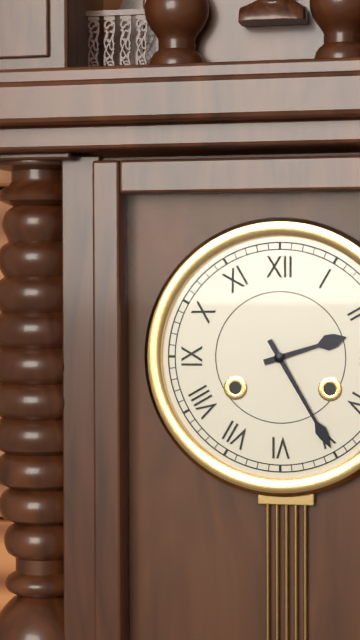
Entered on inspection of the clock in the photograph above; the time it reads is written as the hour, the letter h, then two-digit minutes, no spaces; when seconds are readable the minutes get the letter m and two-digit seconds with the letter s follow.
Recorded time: 2h25
